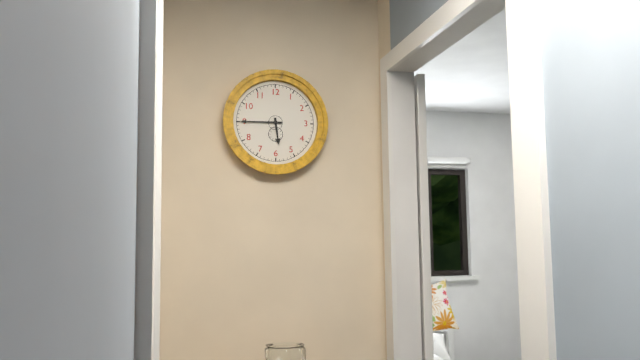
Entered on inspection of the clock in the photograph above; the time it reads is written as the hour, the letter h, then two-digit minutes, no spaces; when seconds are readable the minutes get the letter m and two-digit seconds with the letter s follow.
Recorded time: 5h45
